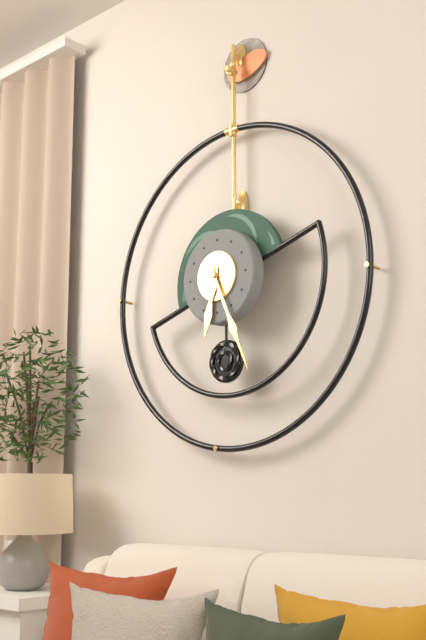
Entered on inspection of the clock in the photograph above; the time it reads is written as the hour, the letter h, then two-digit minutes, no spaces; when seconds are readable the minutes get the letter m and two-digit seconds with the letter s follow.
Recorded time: 6h26
